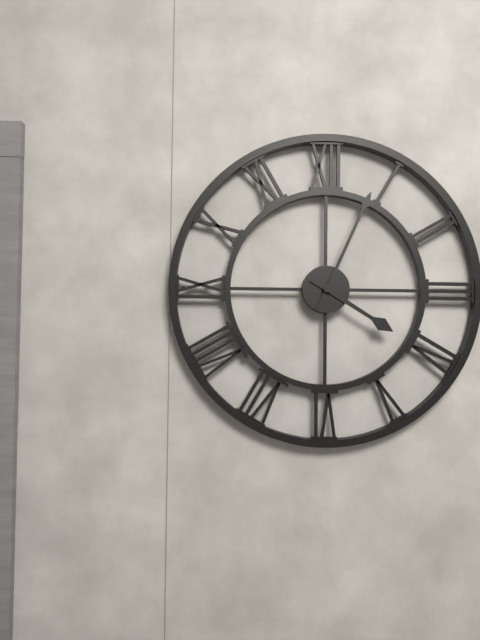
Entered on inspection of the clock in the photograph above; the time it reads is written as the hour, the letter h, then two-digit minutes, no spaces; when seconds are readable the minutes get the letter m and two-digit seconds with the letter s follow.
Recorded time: 4h04
